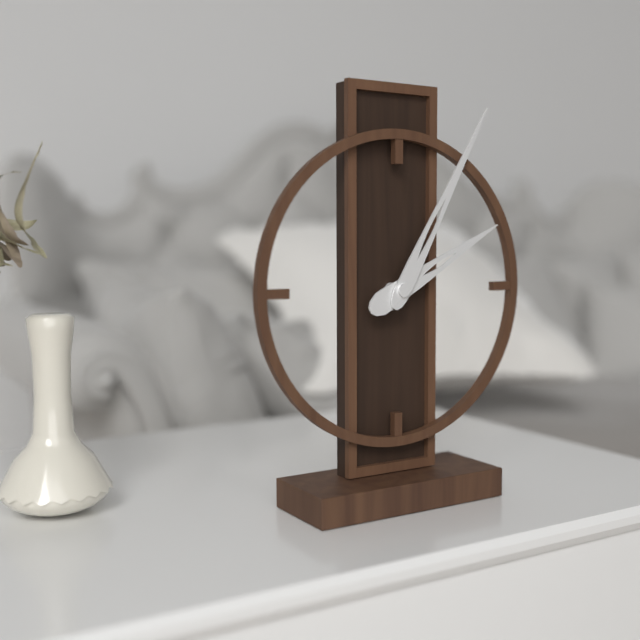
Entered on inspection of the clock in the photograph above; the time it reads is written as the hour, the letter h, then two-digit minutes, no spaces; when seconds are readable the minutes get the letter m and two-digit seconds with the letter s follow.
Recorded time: 2h05
